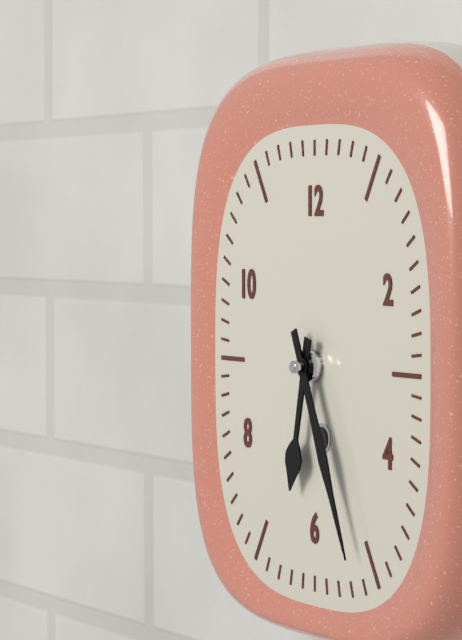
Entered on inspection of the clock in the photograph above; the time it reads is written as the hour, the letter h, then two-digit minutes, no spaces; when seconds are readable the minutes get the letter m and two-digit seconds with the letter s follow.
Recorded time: 6h26
